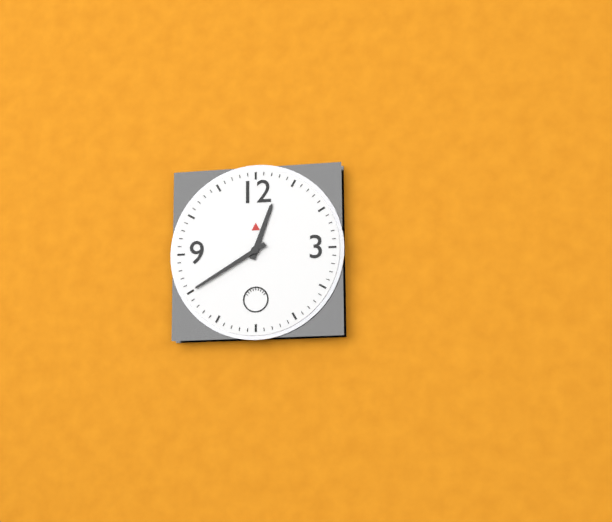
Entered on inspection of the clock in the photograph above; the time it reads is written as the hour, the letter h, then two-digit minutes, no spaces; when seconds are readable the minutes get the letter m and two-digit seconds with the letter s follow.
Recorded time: 12h40
